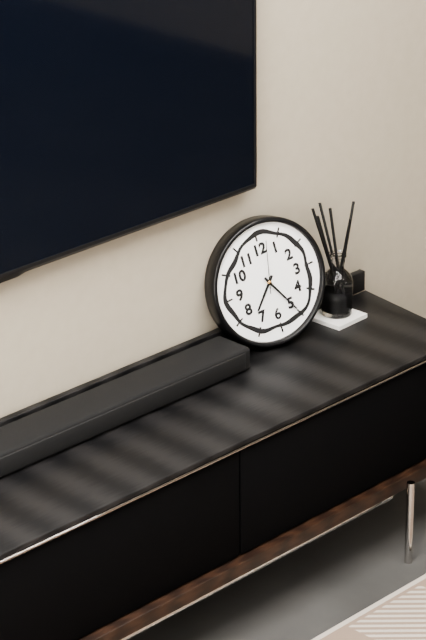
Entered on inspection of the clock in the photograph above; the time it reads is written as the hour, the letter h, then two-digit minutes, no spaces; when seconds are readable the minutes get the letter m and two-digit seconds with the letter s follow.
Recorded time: 7h25m02s
